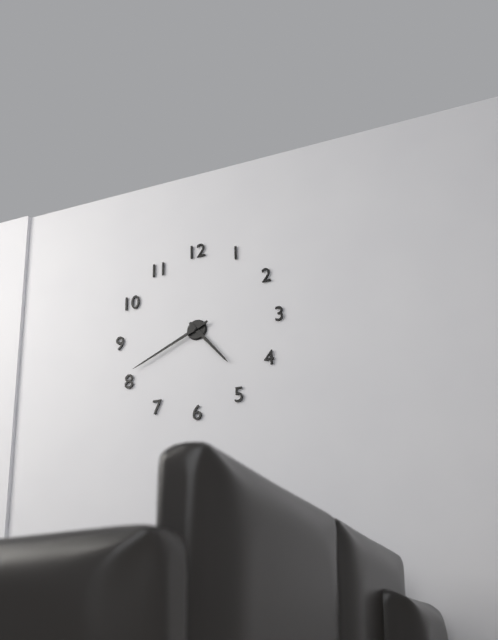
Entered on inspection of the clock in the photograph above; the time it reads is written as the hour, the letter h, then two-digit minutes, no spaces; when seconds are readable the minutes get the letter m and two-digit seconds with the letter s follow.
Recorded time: 4h41
